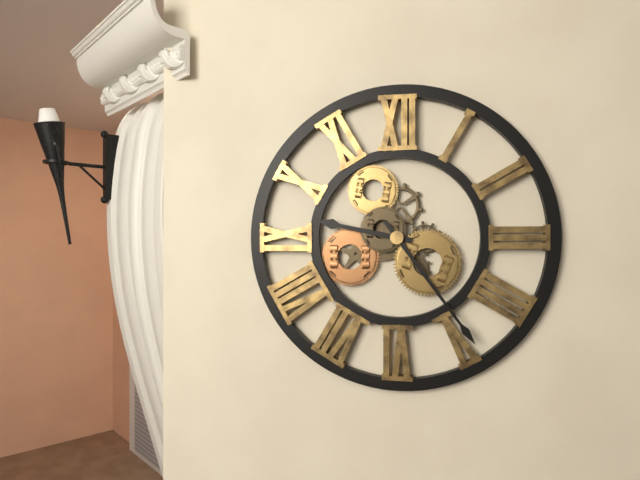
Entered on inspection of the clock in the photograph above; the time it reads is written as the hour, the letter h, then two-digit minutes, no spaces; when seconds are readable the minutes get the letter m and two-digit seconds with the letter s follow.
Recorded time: 9h24
